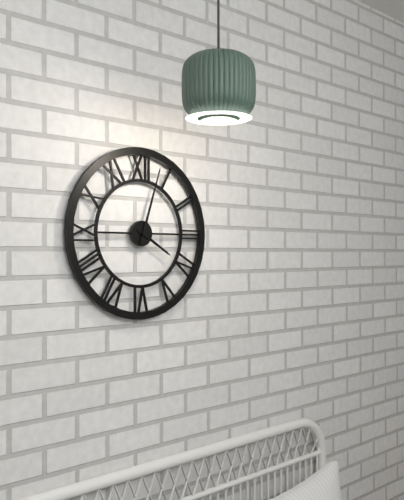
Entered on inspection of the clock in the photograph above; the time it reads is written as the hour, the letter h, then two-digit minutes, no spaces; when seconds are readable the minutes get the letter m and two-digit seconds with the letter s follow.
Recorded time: 4h03
